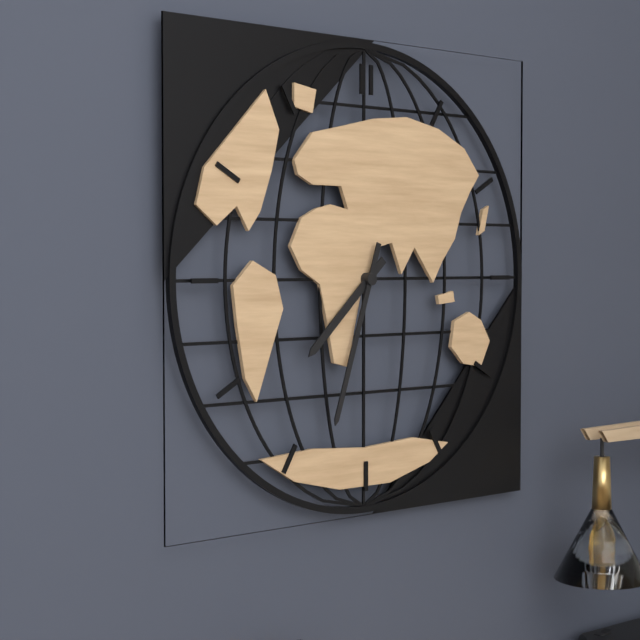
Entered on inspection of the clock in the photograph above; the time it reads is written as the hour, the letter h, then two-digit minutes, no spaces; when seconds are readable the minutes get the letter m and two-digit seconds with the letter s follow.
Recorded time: 7h33
